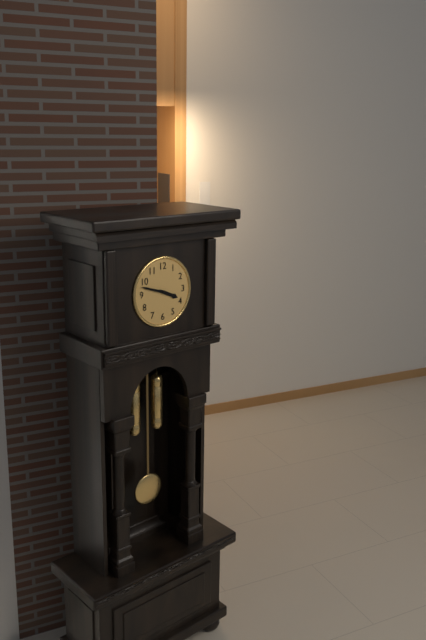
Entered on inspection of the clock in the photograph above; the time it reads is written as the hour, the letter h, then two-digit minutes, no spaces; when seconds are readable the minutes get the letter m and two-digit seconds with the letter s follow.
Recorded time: 3h48
